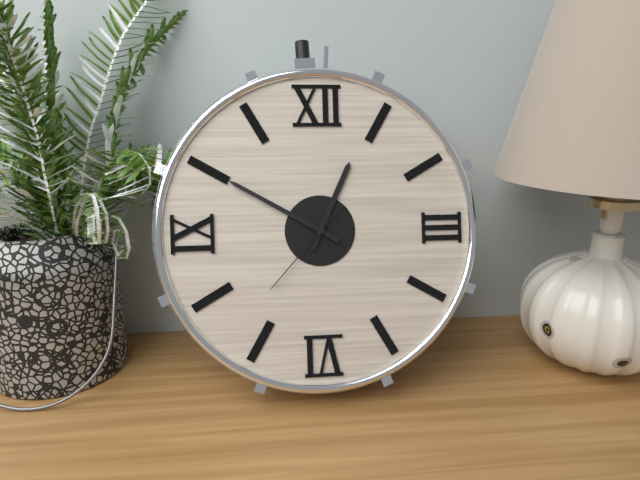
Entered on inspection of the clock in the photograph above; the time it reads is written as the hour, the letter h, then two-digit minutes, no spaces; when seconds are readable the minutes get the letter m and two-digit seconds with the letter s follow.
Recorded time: 12h50m37s
